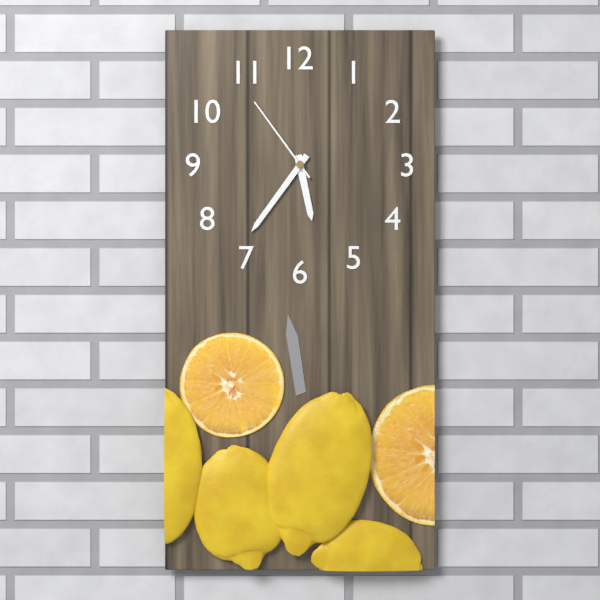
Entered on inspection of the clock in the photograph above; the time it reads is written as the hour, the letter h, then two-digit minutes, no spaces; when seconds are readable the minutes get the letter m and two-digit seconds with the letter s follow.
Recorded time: 5h36m54s
